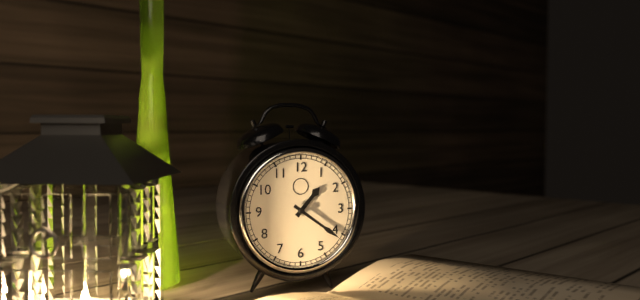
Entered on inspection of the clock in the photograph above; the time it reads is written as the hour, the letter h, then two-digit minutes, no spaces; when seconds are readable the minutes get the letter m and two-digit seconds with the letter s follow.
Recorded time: 1h21
